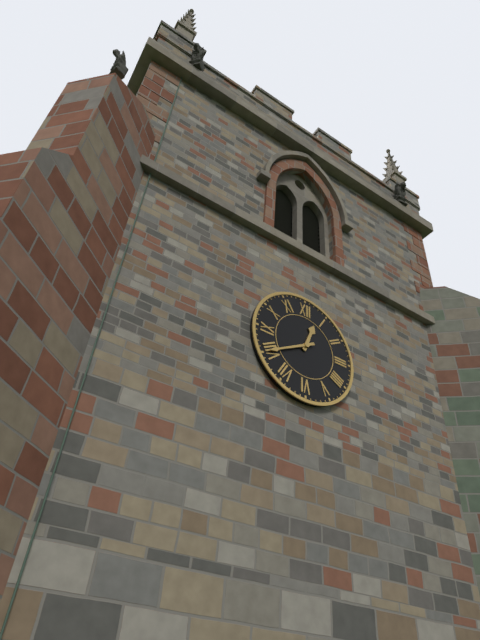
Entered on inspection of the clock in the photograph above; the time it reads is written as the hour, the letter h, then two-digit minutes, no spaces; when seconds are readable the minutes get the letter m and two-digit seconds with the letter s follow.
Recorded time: 12h40
